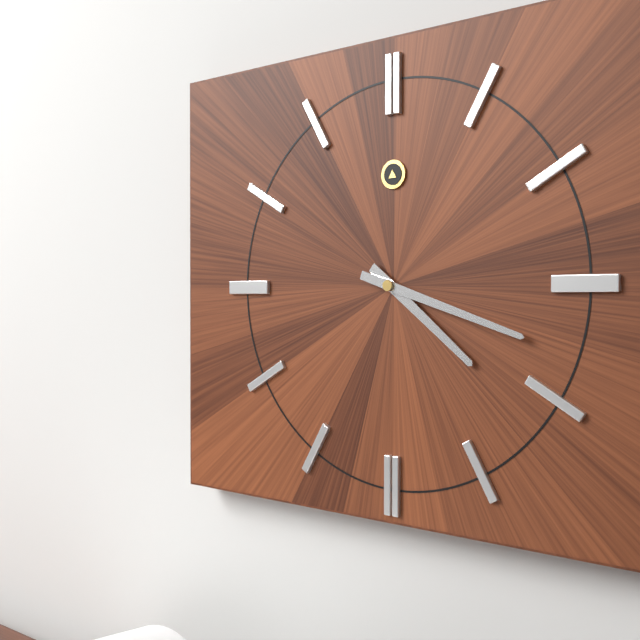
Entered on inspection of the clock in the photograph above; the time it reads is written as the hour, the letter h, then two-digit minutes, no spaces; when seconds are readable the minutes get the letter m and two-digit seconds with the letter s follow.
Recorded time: 4h18
